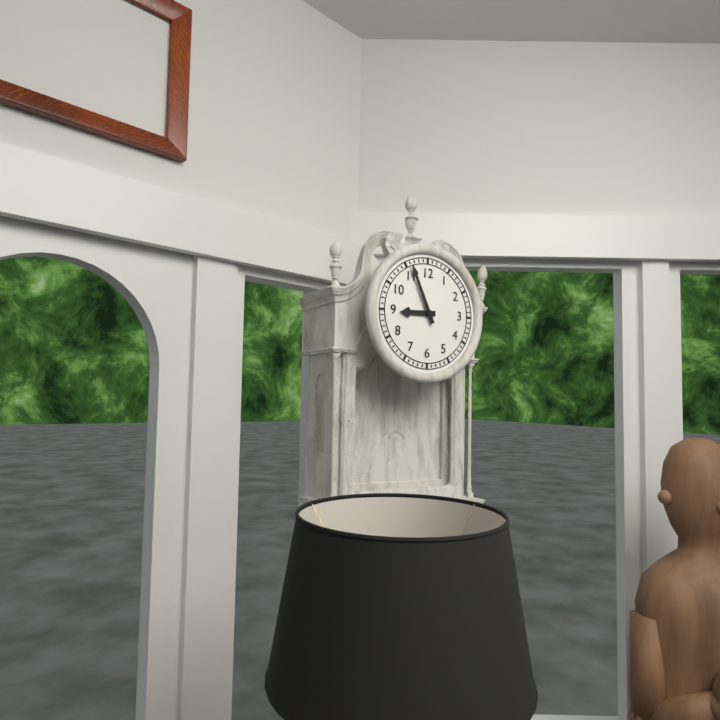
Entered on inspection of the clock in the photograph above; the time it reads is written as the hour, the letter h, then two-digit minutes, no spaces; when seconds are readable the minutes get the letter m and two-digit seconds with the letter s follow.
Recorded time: 8h56
